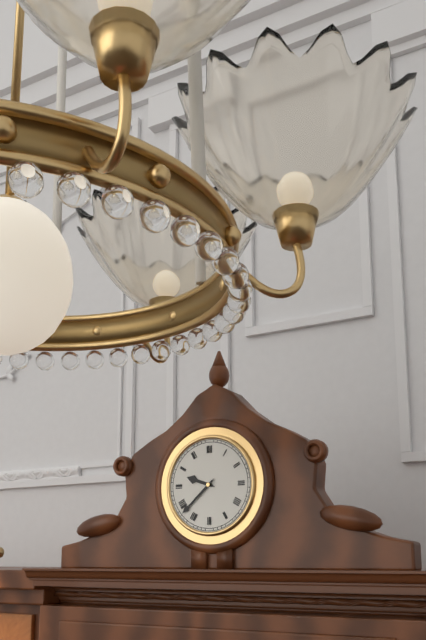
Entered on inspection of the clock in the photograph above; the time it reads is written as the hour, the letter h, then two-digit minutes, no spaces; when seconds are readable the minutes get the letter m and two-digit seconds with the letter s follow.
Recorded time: 9h38
